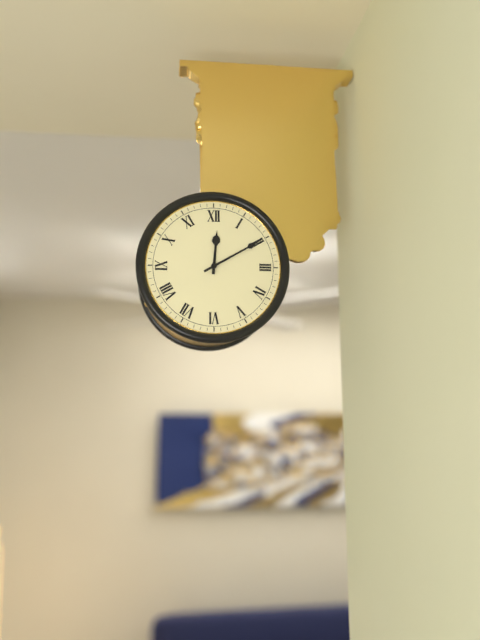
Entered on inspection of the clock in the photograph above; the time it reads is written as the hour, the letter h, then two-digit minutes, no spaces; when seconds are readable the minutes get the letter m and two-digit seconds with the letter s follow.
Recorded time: 12h10
